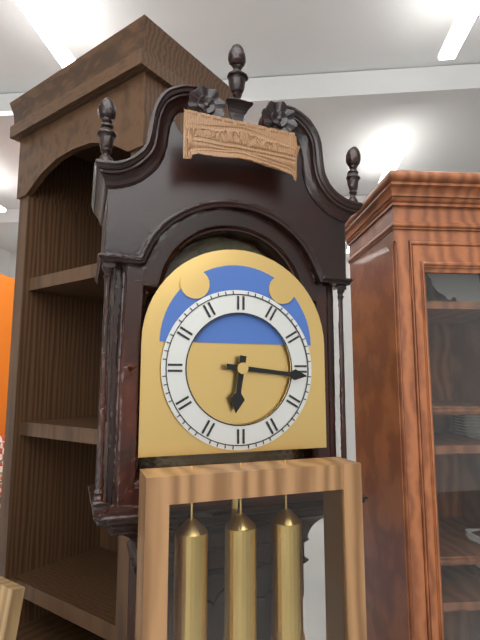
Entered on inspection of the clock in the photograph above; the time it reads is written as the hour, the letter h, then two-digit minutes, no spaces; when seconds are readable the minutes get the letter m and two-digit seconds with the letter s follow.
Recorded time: 6h16
